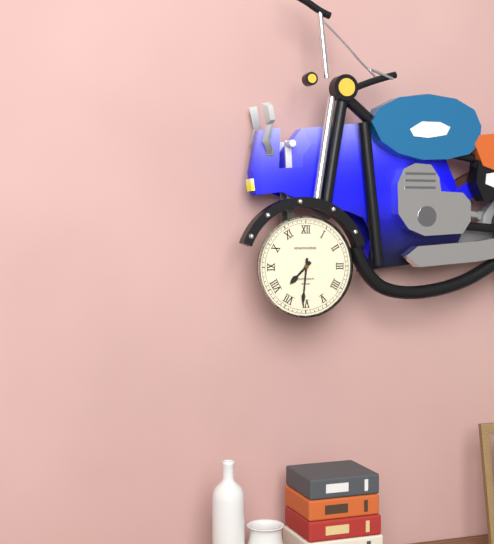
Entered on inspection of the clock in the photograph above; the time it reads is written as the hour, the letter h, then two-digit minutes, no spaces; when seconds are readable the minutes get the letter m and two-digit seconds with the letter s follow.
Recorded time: 7h31
